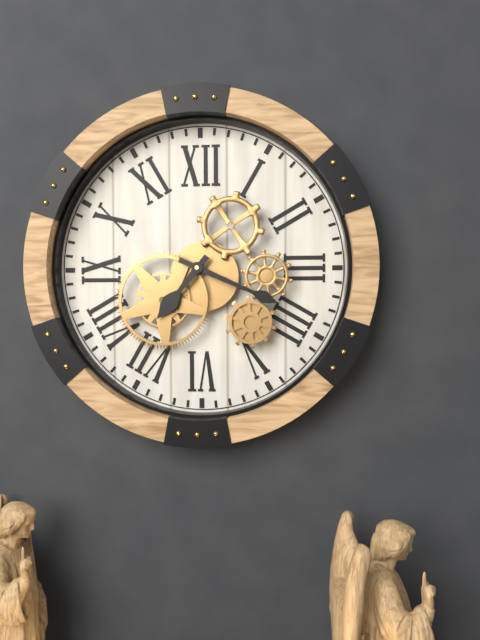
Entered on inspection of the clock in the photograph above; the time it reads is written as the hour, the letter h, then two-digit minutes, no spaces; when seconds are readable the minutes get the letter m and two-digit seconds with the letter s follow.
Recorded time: 7h19
